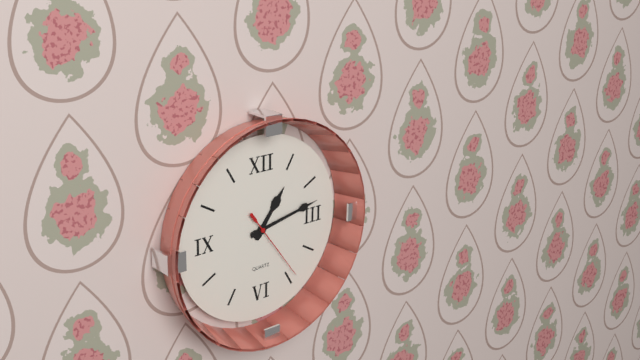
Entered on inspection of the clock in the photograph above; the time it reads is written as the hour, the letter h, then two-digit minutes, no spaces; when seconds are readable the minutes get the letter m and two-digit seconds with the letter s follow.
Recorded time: 1h13m24s
